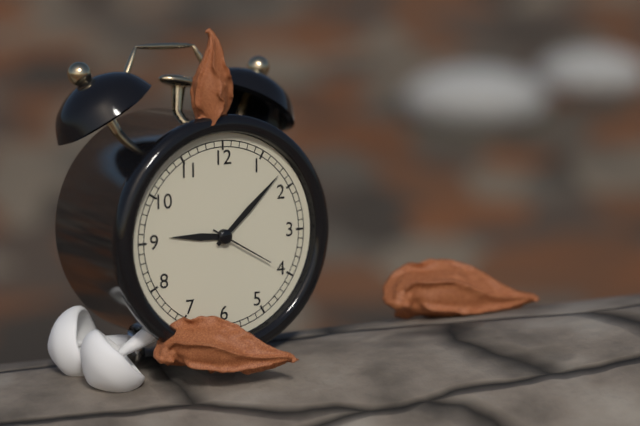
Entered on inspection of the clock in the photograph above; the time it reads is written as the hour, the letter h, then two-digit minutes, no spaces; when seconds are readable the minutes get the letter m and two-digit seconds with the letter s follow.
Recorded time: 9h08m20s
